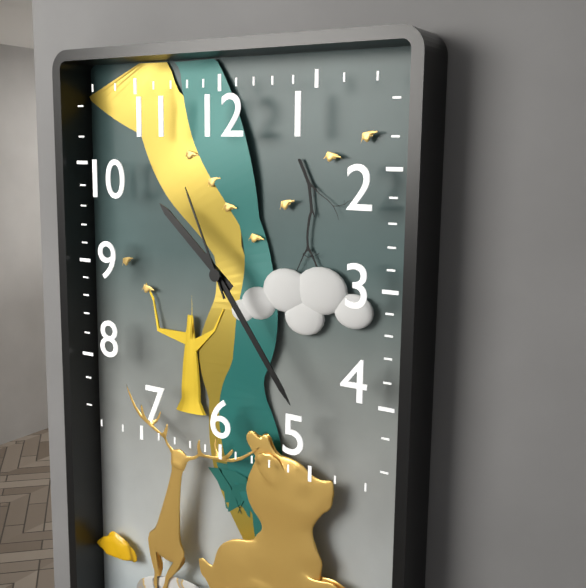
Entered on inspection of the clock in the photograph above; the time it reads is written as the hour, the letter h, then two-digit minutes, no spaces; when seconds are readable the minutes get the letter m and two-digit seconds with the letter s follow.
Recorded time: 10h24m56s
